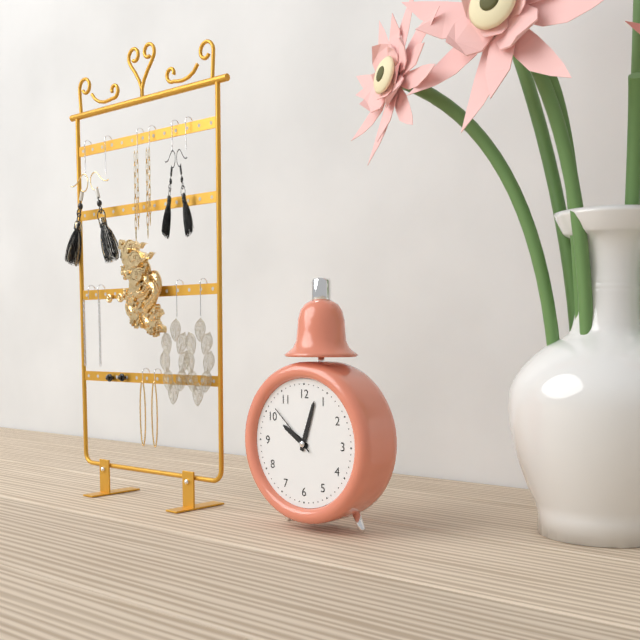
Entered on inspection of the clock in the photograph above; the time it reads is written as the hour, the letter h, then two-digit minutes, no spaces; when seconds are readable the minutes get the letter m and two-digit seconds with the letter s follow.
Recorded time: 10h03m52s
